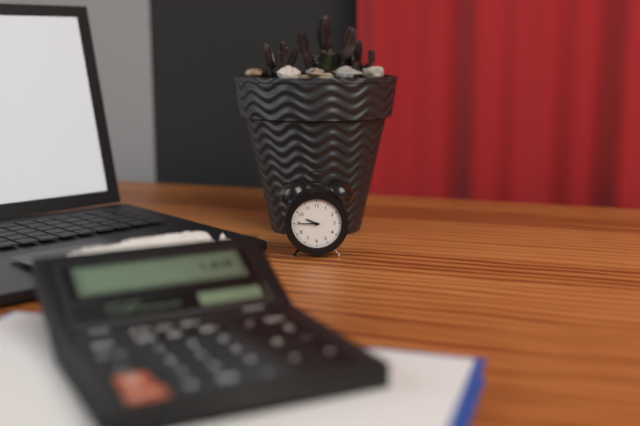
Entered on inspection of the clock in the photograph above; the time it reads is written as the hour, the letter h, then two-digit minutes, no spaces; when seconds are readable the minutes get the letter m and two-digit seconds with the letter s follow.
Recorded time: 9h45
